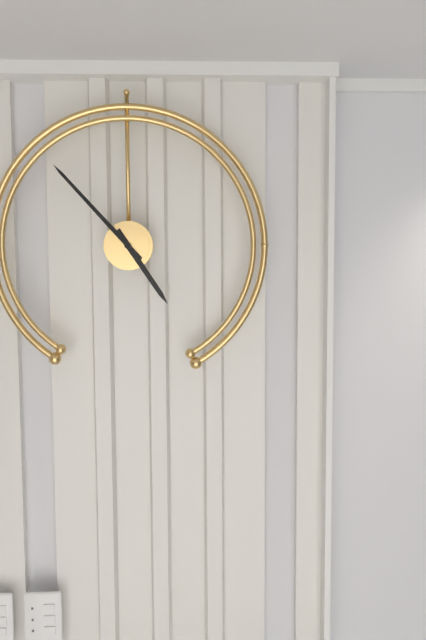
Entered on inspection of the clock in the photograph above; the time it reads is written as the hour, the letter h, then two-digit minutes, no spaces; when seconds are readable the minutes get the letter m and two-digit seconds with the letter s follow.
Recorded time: 4h53
